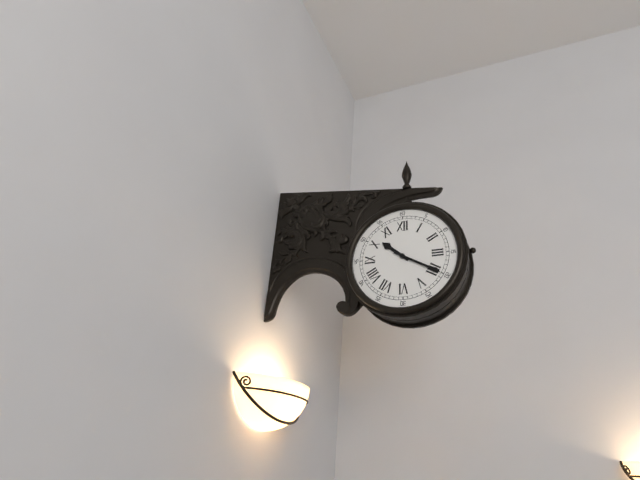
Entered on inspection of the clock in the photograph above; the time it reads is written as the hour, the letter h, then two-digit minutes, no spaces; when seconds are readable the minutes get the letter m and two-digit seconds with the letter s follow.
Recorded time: 10h20
